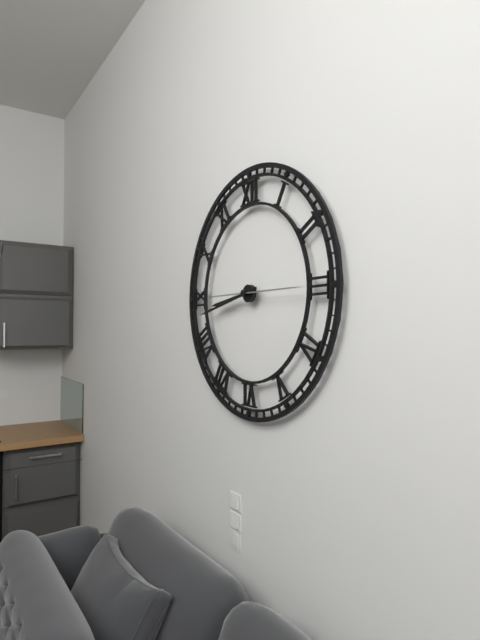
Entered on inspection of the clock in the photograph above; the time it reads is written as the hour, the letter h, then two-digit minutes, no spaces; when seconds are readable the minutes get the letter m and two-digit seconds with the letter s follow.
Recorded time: 8h43m15s
